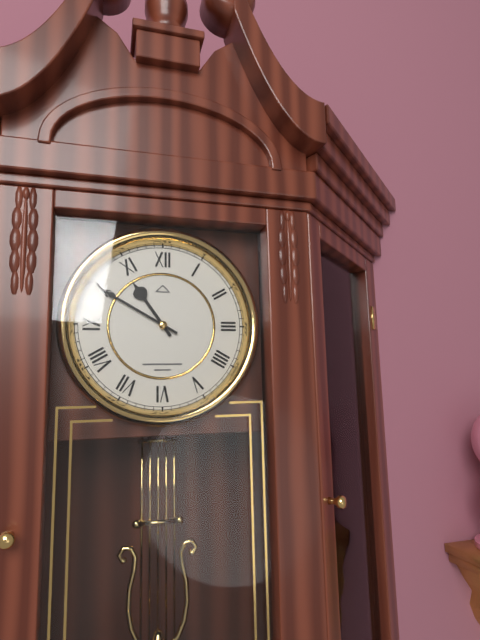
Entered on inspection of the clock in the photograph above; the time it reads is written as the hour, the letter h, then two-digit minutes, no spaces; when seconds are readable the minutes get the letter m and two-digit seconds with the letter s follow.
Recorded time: 10h50
